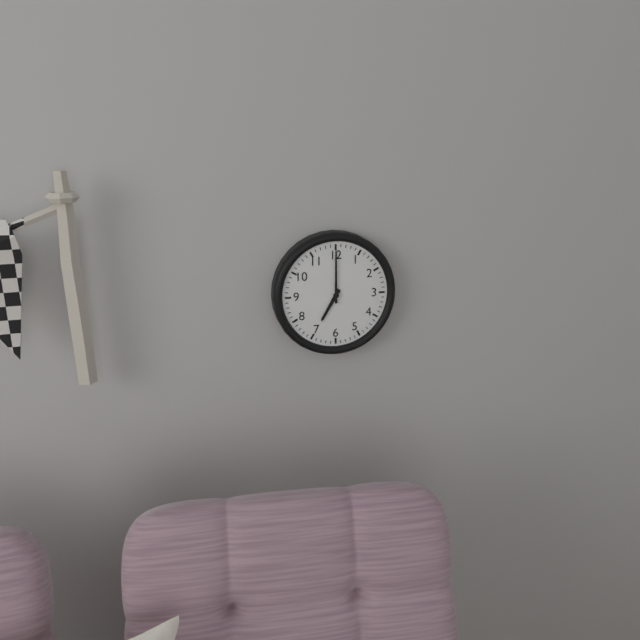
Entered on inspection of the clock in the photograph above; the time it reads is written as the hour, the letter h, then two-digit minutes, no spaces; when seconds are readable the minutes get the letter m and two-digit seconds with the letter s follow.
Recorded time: 7h00
